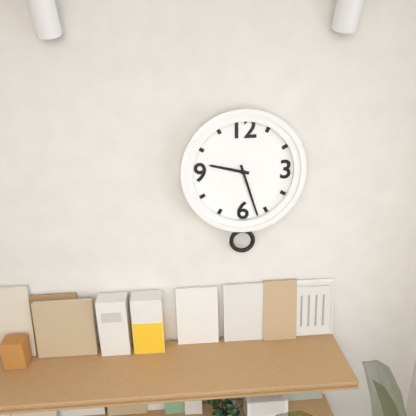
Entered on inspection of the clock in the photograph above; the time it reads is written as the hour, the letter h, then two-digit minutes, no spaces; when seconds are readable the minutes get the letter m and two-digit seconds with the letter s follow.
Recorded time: 9h27
